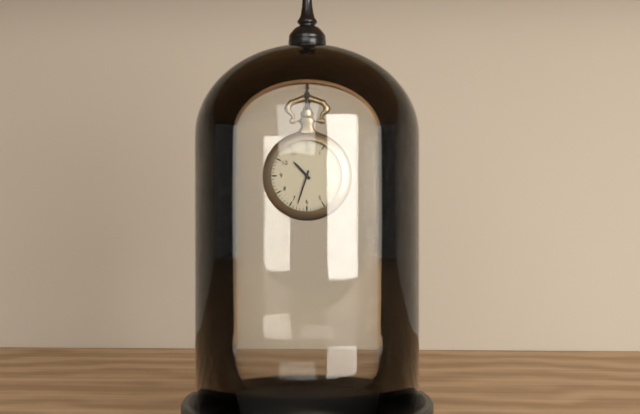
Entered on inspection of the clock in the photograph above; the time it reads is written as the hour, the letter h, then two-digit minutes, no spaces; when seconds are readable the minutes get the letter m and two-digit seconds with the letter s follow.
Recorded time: 10h33
